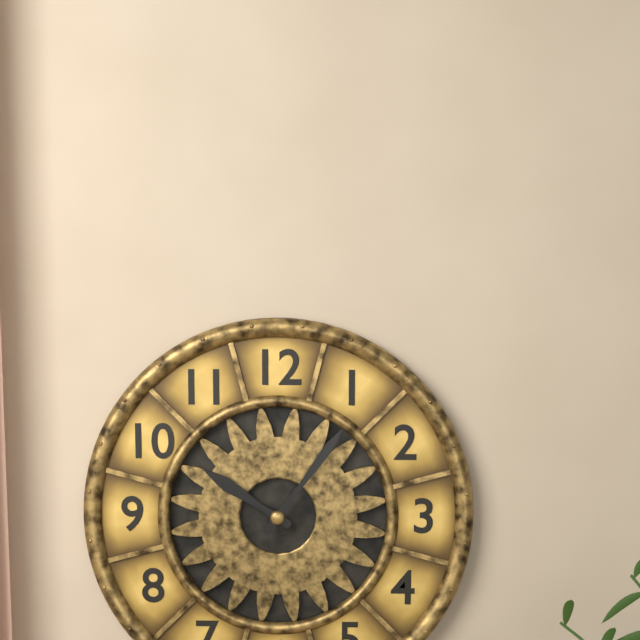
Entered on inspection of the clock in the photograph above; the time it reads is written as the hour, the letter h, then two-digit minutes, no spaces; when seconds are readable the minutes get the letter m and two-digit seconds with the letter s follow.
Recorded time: 10h06
